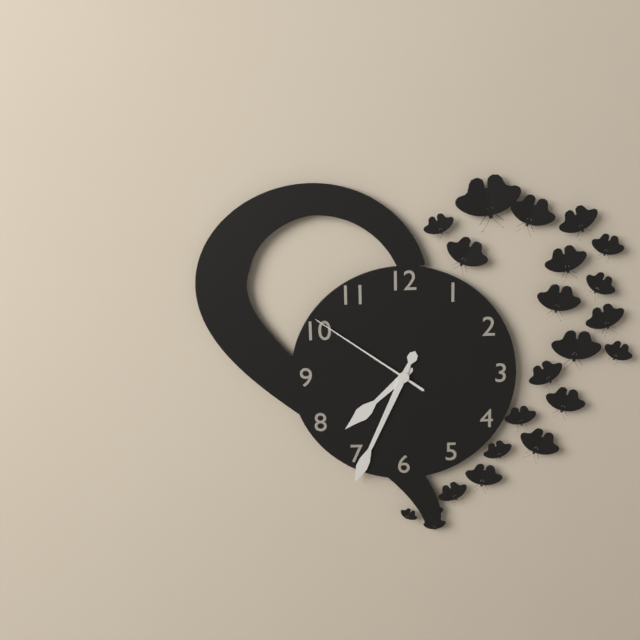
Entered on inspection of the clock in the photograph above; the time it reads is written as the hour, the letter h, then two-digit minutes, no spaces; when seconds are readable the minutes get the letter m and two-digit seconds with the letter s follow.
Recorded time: 7h34m51s
